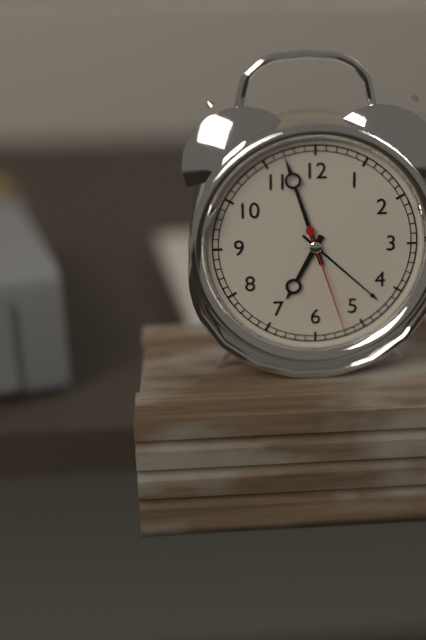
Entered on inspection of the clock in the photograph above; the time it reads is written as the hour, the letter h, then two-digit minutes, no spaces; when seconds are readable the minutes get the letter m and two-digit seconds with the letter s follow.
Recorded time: 6h57m27s
